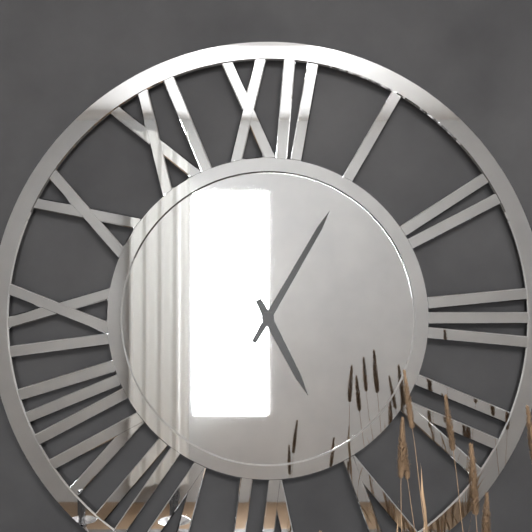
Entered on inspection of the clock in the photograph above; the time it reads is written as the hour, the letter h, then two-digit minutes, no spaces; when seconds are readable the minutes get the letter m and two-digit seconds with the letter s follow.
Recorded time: 5h05
